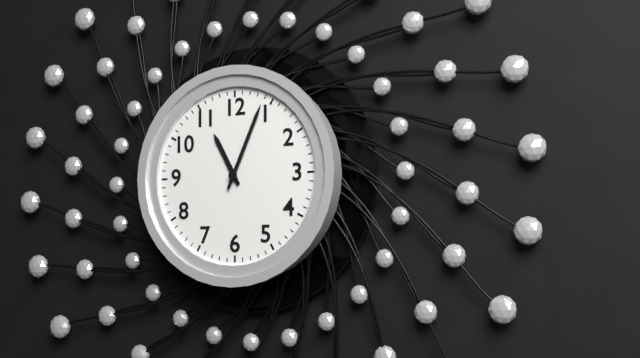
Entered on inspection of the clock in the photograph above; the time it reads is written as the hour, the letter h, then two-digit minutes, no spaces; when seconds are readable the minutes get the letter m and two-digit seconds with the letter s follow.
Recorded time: 11h04
